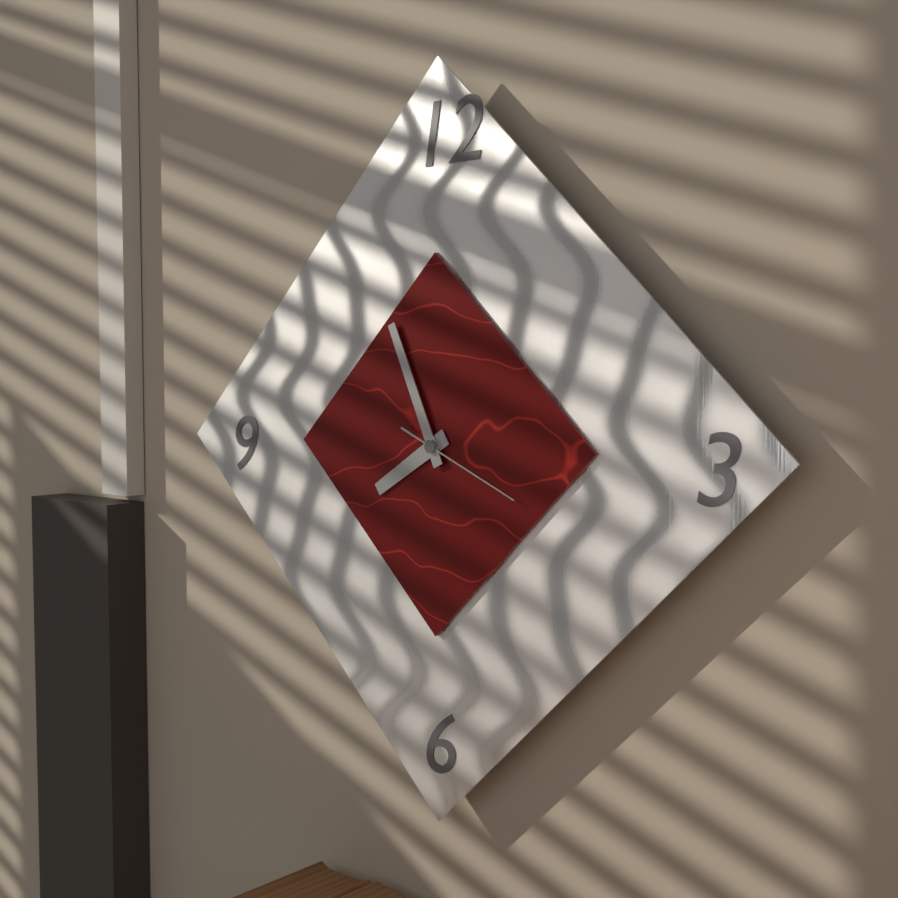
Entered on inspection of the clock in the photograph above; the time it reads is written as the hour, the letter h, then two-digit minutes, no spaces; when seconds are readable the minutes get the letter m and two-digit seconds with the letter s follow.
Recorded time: 7h56m19s
